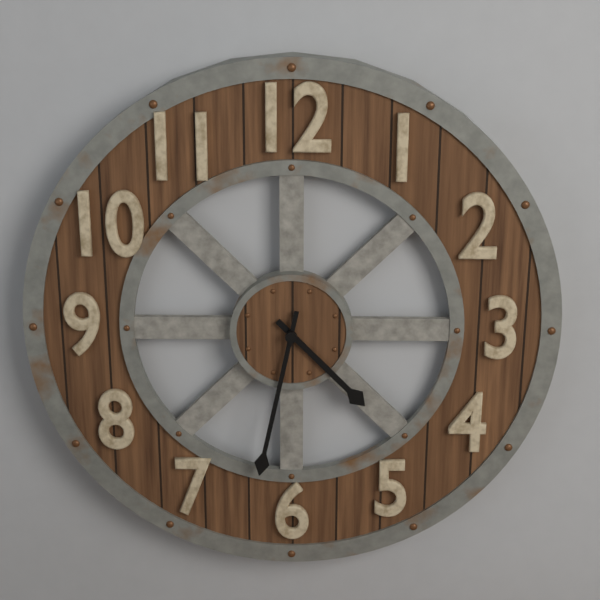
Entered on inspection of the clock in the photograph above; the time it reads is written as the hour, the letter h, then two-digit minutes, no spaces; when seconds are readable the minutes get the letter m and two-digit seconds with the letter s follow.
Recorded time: 4h32
